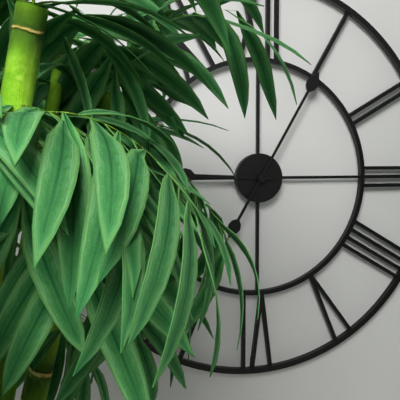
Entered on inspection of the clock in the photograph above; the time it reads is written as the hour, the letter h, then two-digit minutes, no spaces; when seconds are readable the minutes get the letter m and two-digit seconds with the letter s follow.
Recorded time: 9h05
